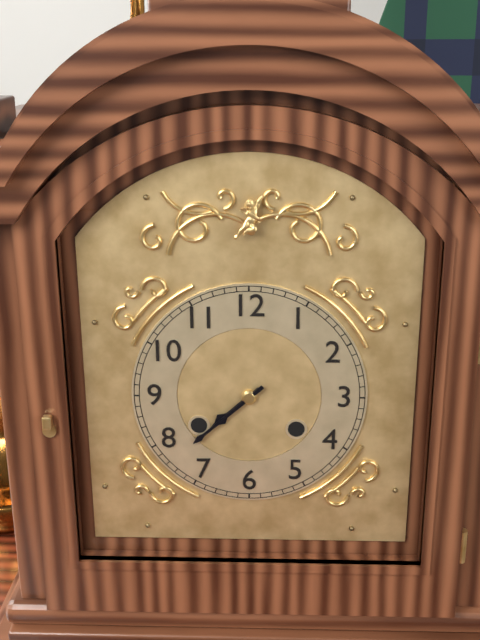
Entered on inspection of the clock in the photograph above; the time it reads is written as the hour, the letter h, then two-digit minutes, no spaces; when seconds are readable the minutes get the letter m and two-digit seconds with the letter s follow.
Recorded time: 7h38
